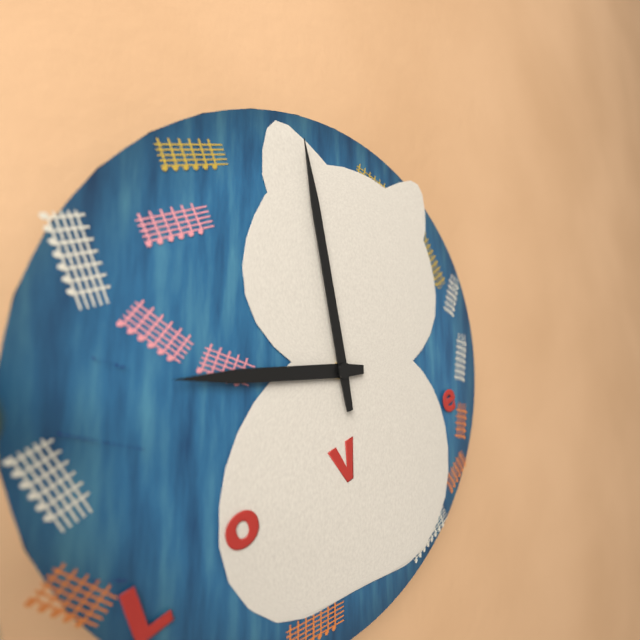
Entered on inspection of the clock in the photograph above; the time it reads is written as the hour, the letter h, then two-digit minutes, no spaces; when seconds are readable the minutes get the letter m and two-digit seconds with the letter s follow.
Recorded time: 8h58
